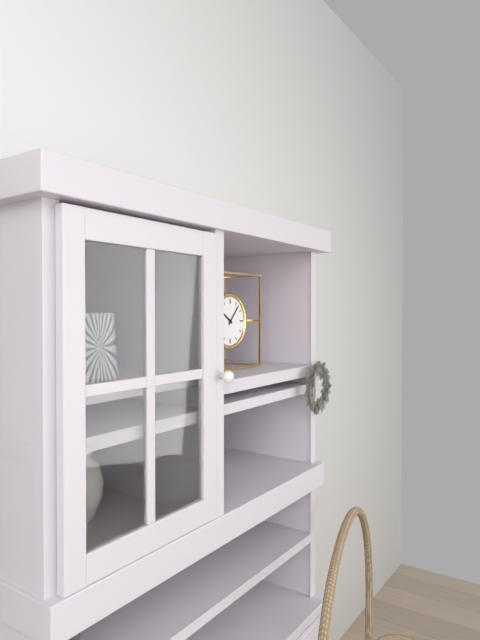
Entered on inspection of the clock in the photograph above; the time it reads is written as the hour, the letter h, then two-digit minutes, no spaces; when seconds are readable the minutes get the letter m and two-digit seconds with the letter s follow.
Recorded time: 10h07
